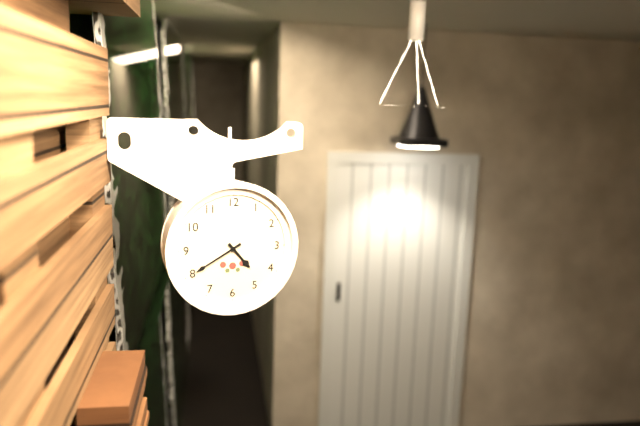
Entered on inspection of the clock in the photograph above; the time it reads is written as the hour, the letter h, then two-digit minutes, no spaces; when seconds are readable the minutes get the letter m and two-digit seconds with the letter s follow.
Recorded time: 4h40
